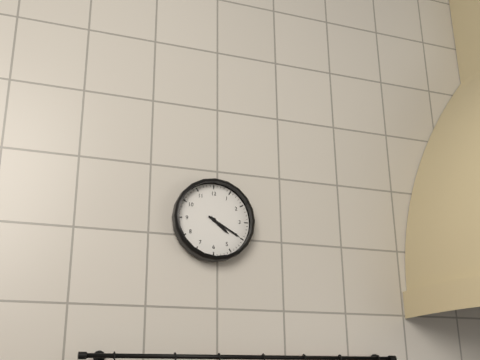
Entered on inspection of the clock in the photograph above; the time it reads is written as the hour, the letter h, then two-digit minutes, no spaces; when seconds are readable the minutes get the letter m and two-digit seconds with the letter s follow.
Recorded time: 4h20
